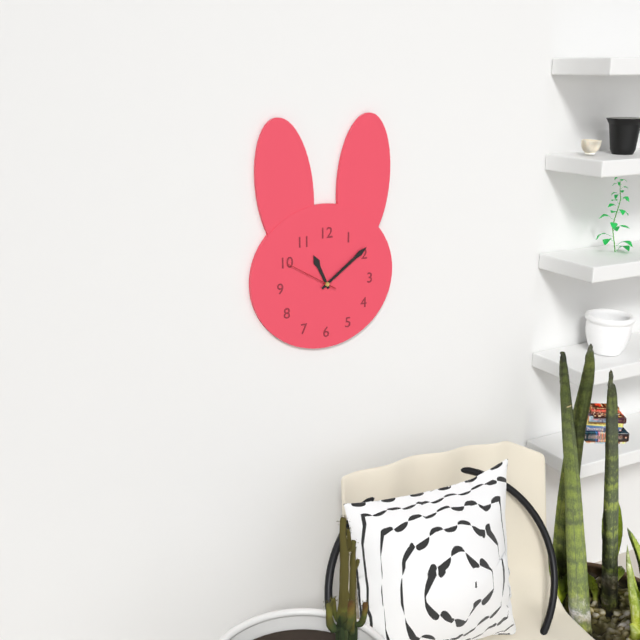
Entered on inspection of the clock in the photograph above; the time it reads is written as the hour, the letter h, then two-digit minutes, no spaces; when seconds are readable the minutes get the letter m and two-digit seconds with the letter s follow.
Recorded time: 11h09m50s
